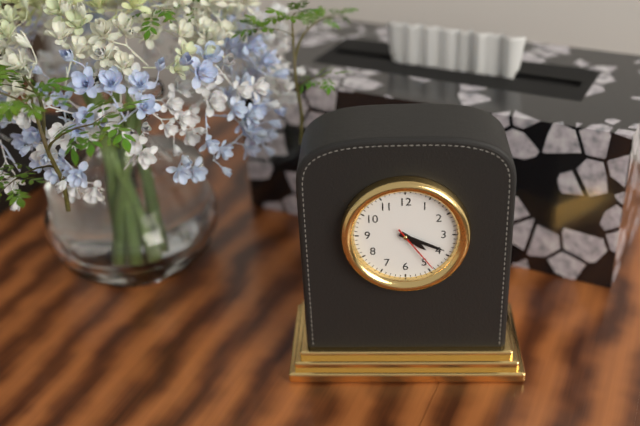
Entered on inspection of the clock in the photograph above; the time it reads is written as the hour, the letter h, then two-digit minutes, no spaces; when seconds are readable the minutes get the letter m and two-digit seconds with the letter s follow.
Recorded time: 4h19m24s
